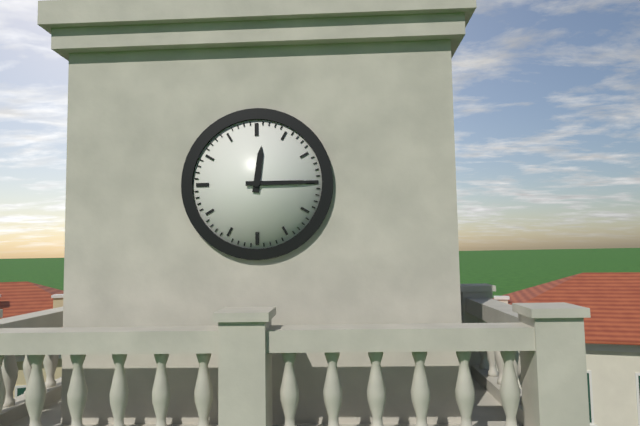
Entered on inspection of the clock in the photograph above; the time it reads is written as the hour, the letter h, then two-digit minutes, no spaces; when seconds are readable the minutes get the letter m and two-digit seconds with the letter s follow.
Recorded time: 12h15
